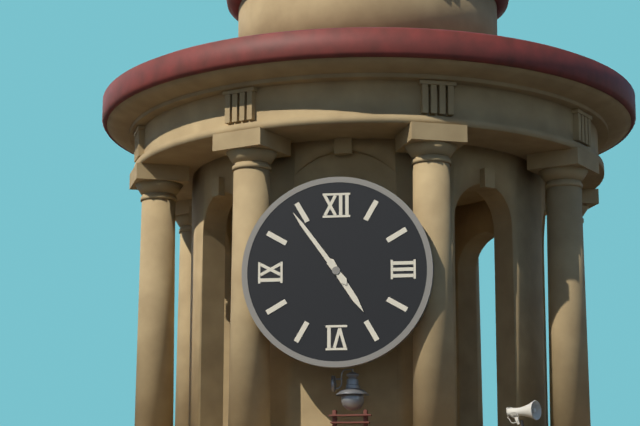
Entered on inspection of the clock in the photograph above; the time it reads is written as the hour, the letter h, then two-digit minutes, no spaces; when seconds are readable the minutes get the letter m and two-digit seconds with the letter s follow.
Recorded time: 4h54
